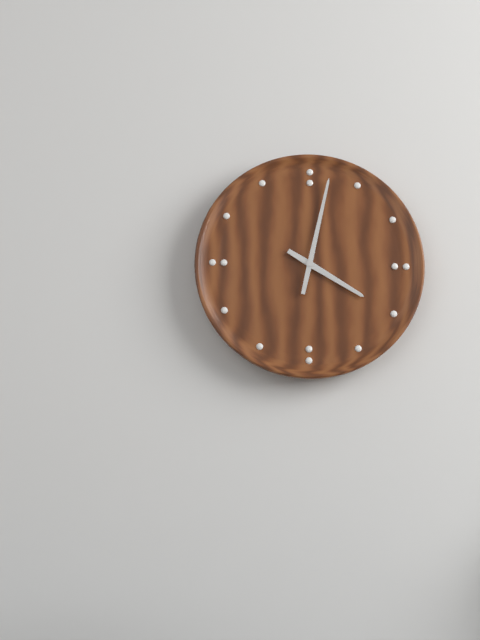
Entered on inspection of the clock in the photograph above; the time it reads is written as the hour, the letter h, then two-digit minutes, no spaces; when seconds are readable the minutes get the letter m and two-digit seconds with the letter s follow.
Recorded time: 4h02
